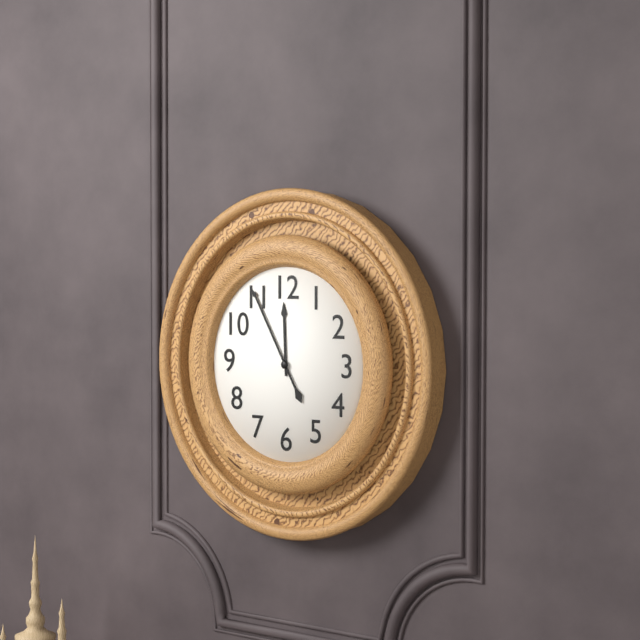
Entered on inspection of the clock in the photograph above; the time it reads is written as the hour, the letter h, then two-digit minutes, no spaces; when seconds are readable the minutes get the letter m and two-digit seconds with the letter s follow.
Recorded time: 11h55
